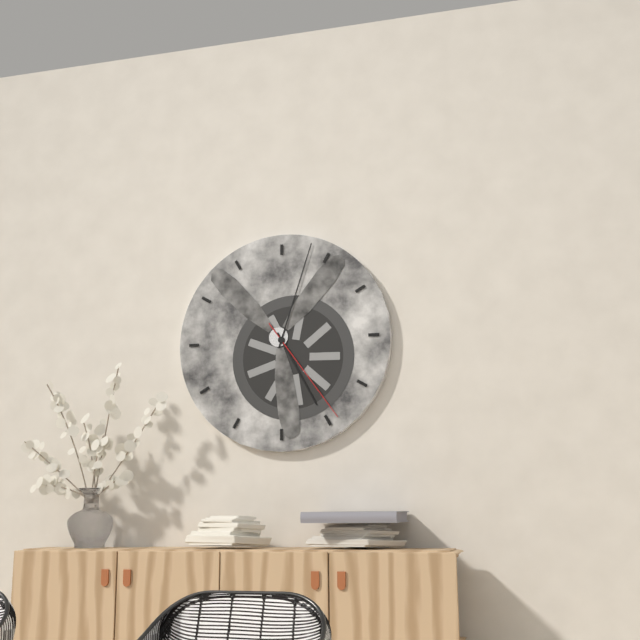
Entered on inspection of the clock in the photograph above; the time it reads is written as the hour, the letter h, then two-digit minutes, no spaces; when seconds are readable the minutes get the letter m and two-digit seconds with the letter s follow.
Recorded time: 5h03m24s
